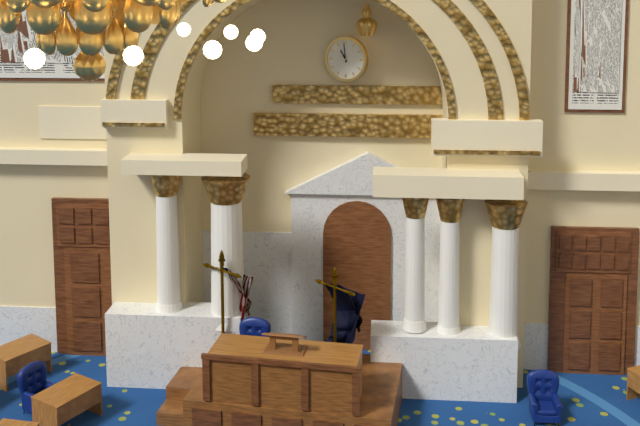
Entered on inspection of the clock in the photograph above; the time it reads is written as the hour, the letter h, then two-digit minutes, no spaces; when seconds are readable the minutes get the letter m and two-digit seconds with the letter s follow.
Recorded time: 10h59
